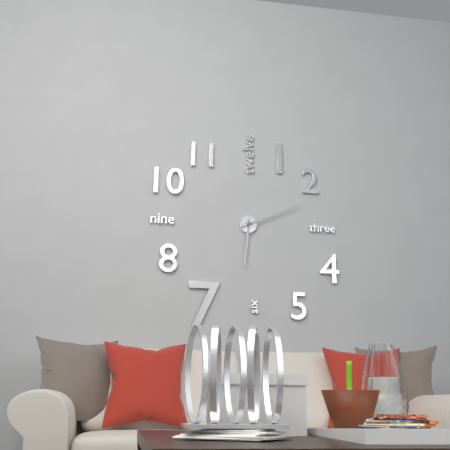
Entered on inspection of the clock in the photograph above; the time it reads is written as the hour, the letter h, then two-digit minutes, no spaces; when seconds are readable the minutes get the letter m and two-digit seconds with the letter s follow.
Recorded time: 6h11
